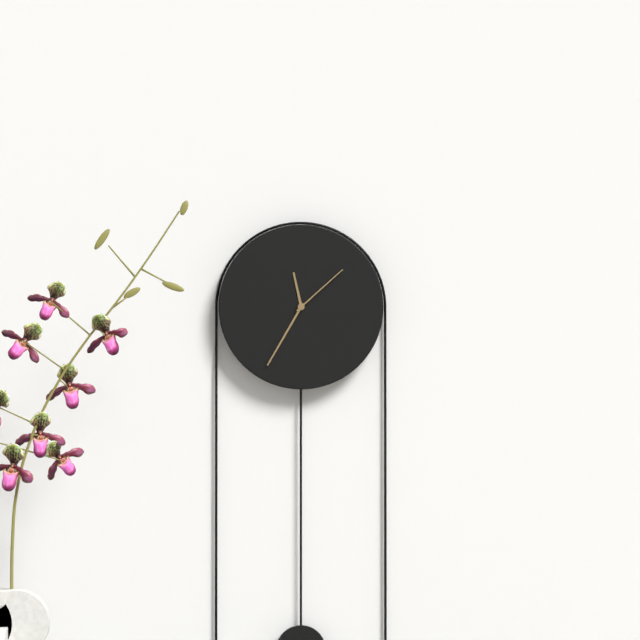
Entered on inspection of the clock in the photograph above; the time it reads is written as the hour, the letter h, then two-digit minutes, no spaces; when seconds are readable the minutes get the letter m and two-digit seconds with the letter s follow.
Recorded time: 11h35m08s
